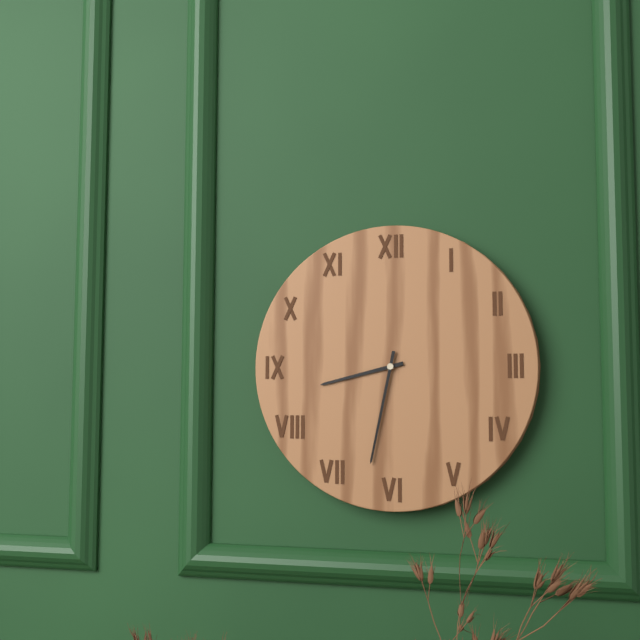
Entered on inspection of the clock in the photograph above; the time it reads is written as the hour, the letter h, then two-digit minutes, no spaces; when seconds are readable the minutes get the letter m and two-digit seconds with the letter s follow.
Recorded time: 8h32
